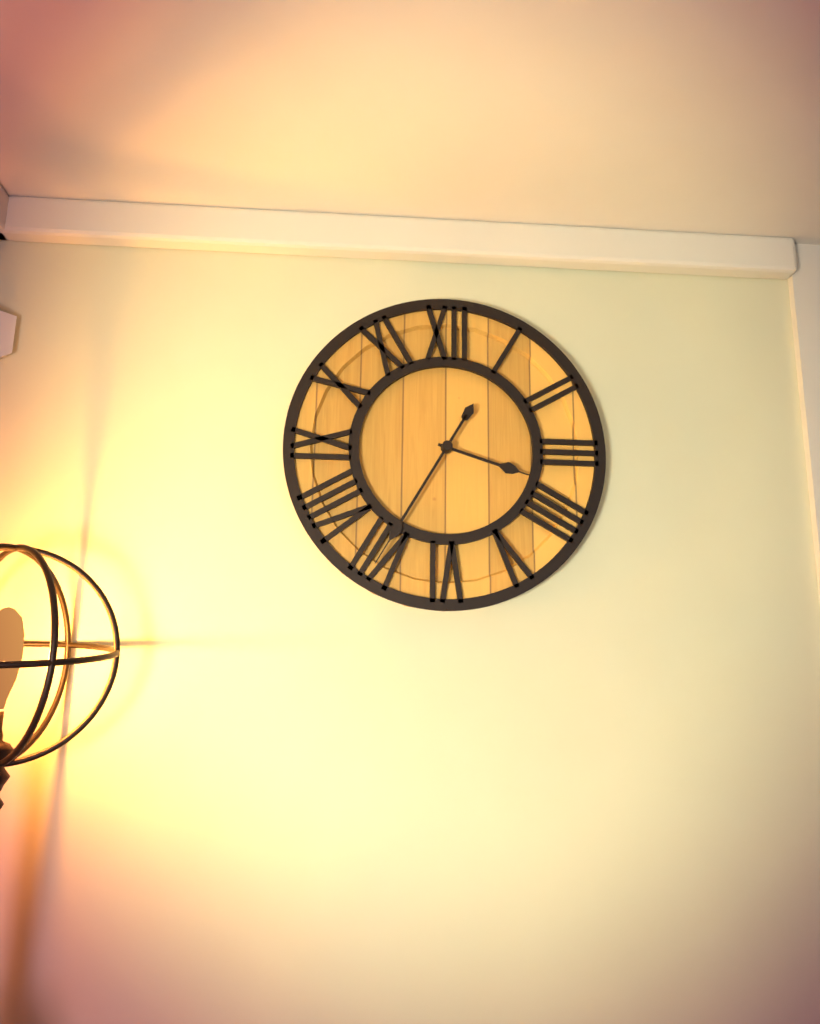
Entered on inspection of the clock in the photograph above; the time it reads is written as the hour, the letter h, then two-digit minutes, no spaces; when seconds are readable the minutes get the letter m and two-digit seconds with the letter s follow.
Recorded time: 3h35
